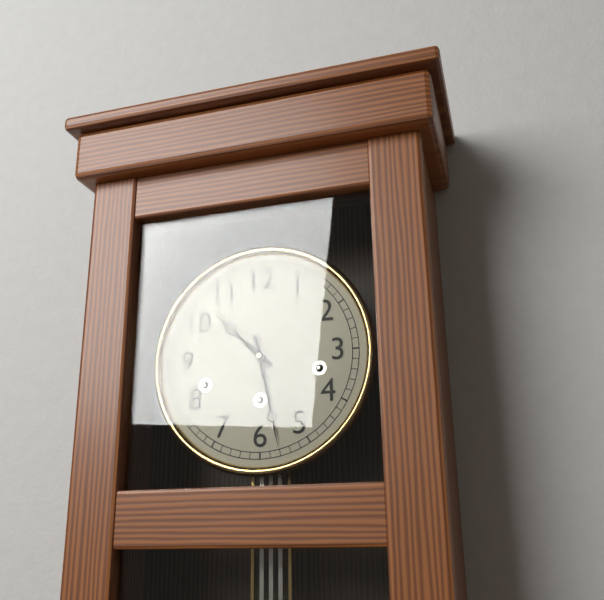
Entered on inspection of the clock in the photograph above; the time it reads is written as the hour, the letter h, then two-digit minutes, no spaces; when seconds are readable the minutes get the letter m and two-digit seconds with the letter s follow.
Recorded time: 10h28
